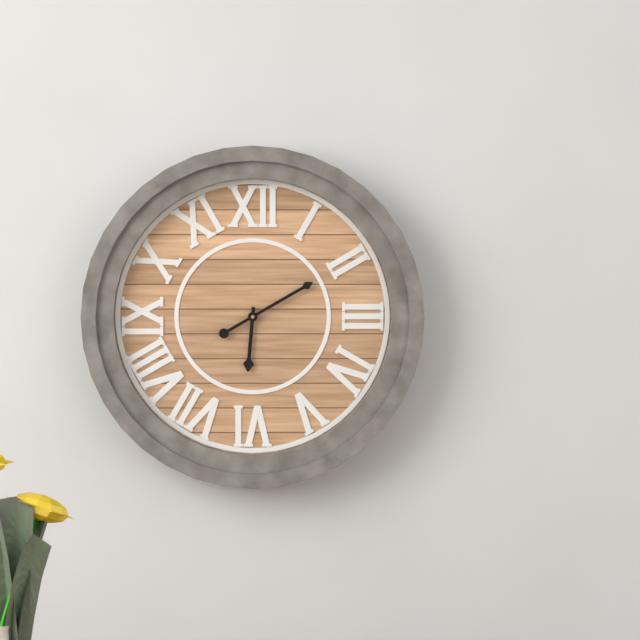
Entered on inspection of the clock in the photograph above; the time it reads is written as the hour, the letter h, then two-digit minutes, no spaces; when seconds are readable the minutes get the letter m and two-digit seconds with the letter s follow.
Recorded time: 6h10
